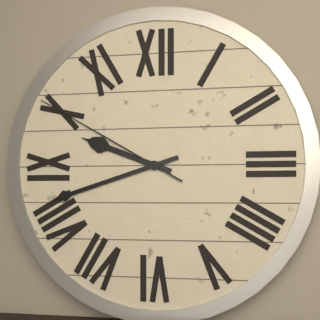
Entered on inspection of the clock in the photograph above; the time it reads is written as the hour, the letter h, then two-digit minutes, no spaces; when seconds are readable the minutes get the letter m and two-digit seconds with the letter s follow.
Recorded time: 9h42m50s
